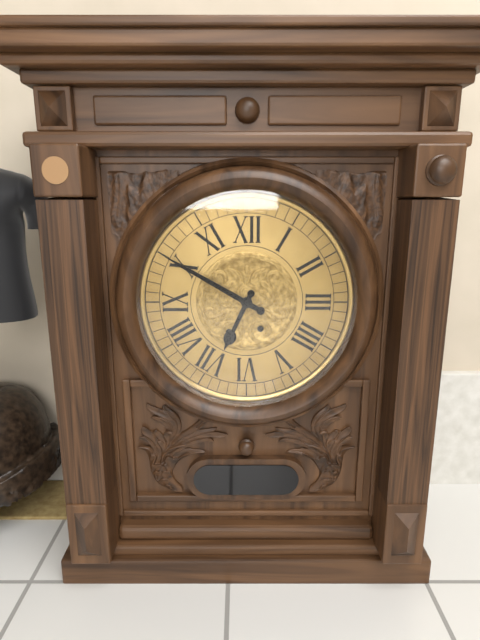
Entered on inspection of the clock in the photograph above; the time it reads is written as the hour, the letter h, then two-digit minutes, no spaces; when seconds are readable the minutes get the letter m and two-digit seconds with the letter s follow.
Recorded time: 6h50
